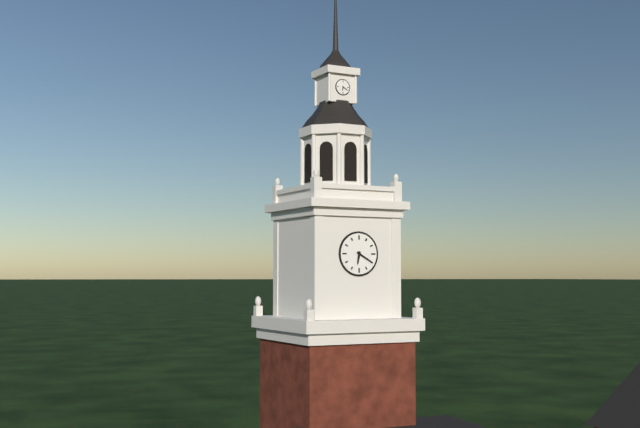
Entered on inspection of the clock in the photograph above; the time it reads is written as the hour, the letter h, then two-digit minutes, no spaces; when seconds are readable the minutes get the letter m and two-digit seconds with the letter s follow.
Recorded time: 6h20
